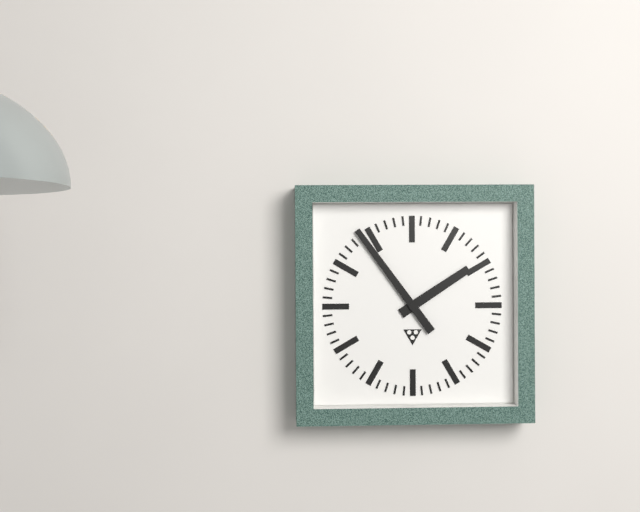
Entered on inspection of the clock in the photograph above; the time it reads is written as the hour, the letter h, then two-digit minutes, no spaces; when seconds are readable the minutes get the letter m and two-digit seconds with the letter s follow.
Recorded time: 1h54
